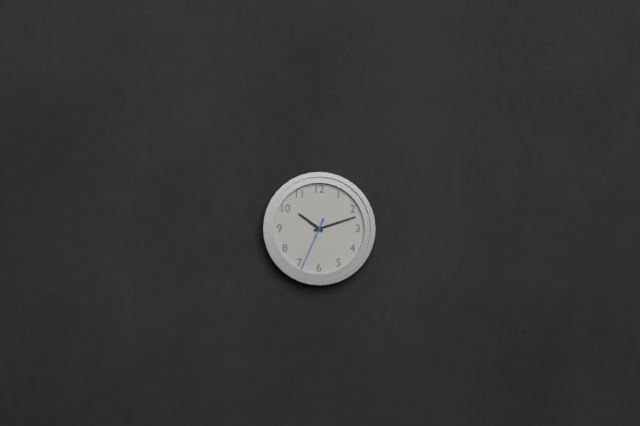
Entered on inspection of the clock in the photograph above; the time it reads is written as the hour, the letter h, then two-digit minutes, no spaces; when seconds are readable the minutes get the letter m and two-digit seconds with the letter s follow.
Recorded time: 10h12m34s
